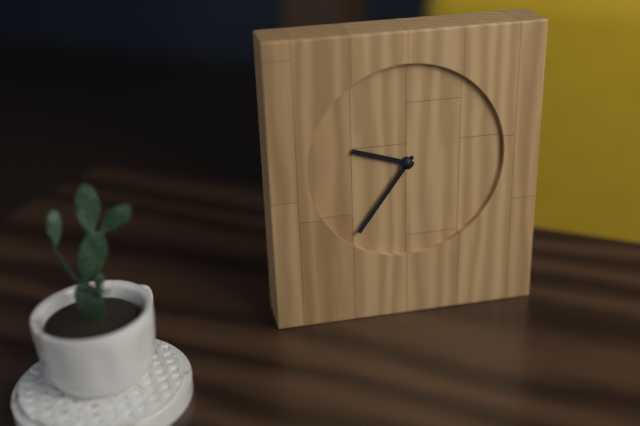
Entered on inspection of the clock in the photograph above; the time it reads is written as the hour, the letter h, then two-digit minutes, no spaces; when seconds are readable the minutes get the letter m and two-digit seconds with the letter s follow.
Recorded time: 9h36
